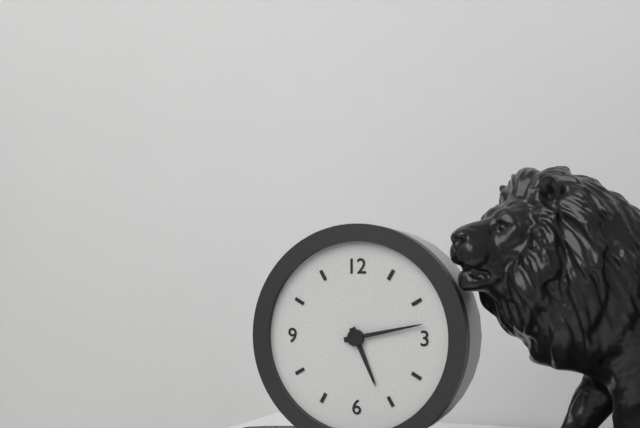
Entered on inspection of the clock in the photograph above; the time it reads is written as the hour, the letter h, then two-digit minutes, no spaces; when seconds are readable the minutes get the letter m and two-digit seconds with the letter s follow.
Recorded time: 5h13
